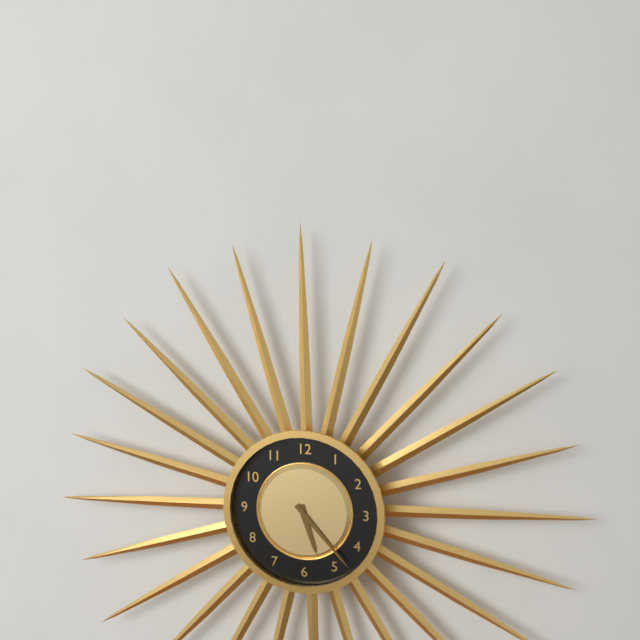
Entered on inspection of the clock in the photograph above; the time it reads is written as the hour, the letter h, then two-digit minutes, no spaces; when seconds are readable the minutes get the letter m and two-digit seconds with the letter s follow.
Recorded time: 5h23
